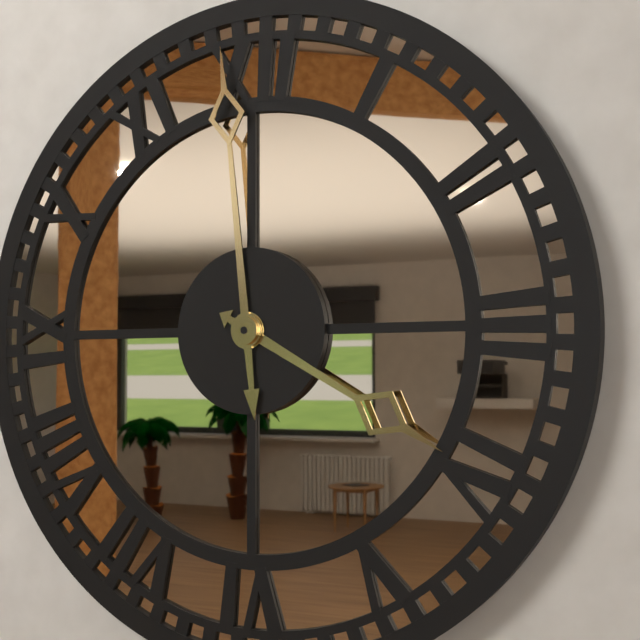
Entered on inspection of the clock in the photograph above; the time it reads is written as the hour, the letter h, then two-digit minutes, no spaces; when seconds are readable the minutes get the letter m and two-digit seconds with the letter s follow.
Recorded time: 3h59
